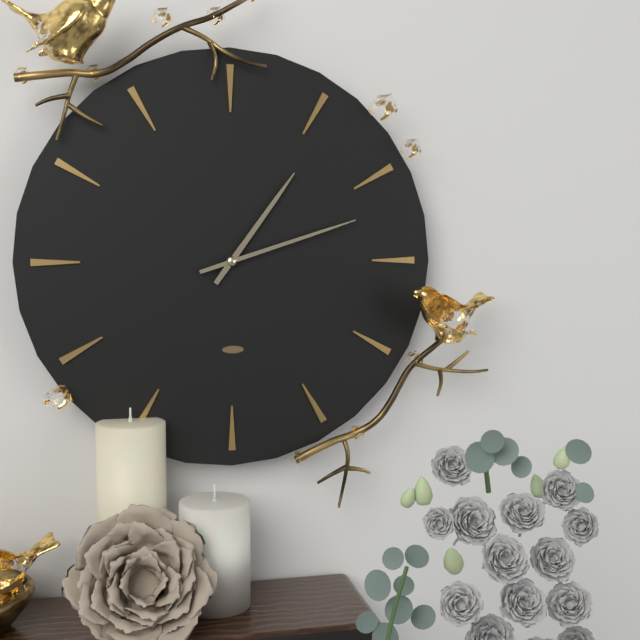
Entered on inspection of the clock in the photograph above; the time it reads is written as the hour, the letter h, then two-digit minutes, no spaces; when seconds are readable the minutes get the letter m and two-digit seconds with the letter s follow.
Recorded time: 1h12
